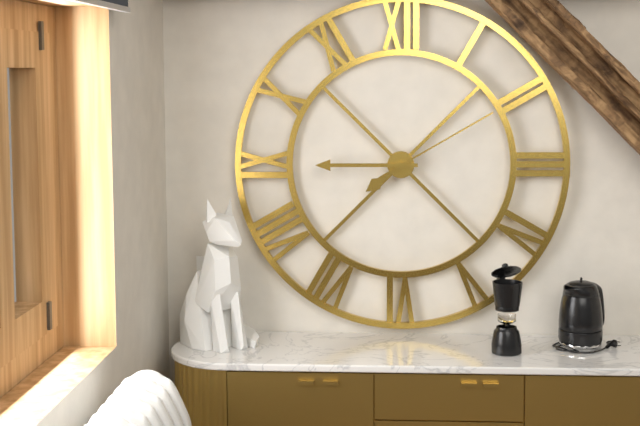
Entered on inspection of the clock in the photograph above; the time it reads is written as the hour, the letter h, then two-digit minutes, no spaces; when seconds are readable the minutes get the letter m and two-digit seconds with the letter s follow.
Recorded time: 7h45m10s
